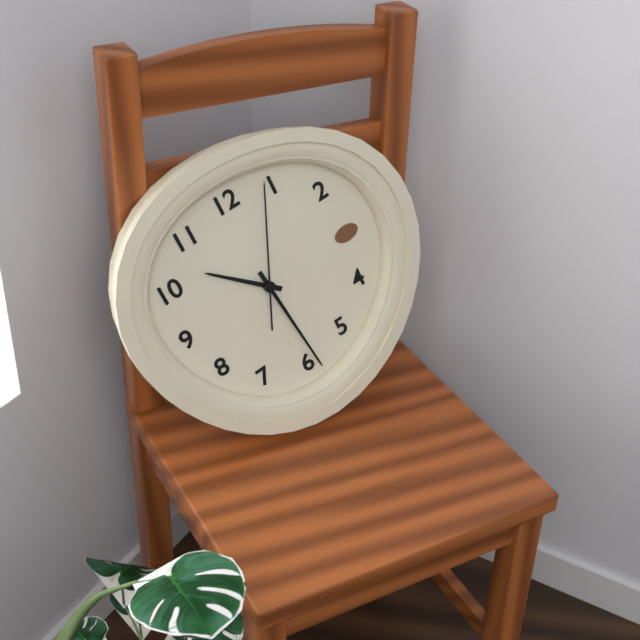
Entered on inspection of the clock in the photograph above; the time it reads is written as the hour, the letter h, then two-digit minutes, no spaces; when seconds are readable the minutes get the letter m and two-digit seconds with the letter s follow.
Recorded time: 10h29m04s
